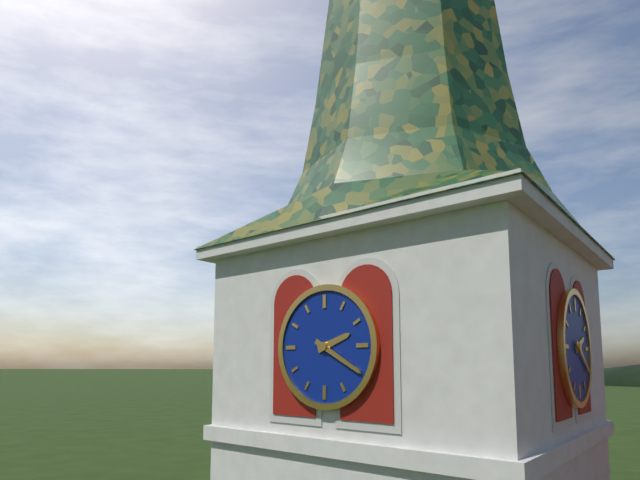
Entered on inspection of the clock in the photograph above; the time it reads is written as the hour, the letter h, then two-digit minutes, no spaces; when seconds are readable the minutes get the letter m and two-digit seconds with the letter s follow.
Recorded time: 2h20
